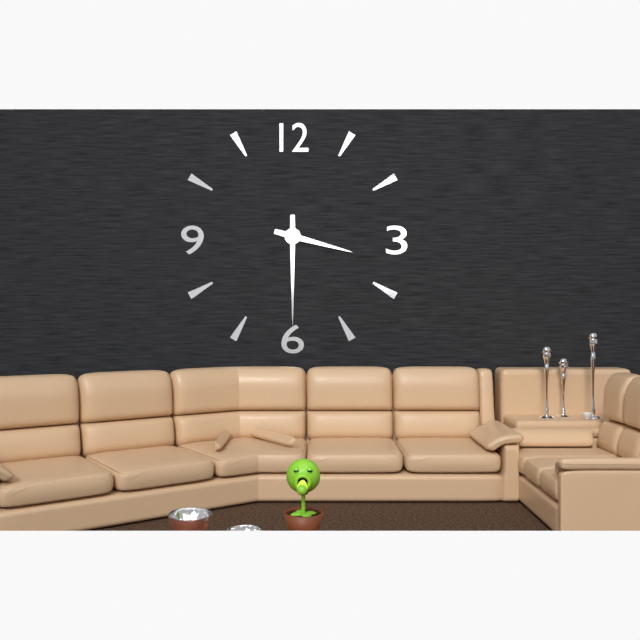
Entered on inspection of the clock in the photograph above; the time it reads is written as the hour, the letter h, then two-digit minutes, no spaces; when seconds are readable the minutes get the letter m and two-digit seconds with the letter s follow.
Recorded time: 3h30
